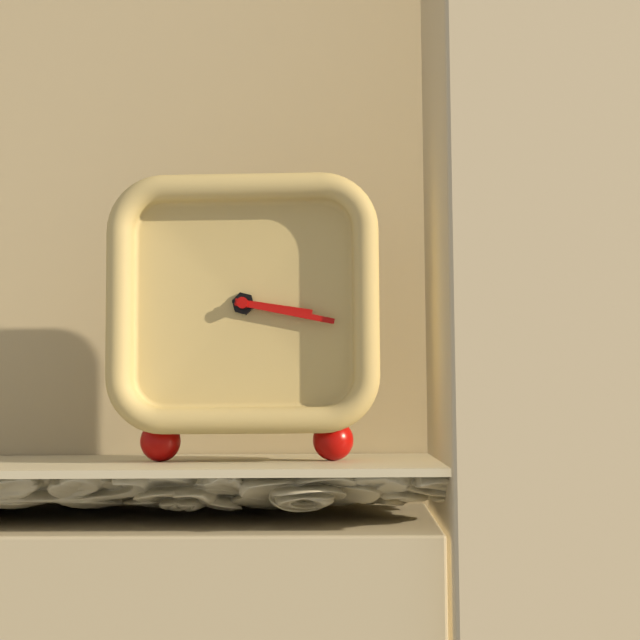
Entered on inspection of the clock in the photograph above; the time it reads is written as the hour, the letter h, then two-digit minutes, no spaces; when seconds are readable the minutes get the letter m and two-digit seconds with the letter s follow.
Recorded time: 3h17
